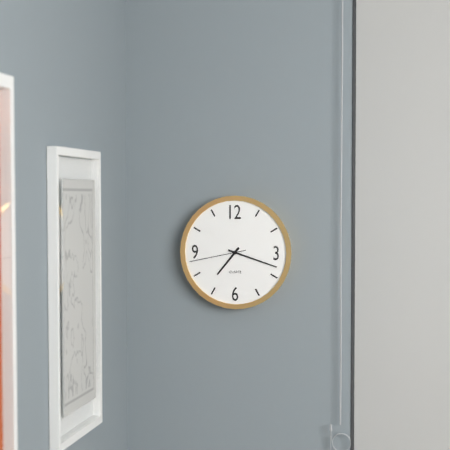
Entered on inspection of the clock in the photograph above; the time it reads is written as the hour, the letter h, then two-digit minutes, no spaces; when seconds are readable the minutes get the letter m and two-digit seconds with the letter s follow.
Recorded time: 7h18m43s
